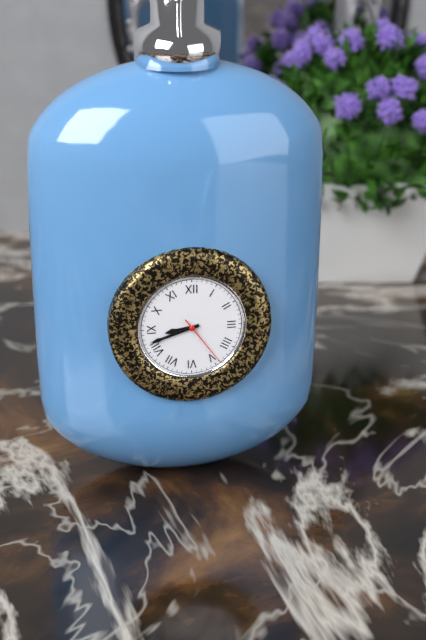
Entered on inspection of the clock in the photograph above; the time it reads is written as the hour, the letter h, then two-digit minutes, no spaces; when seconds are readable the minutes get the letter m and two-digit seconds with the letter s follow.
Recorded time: 8h42m24s
